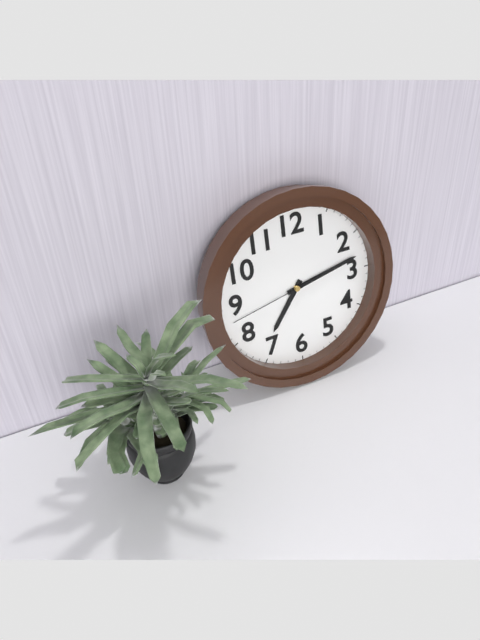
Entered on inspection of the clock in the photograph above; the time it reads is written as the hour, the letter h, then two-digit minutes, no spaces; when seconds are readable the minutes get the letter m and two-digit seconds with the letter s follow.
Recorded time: 7h13m43s
